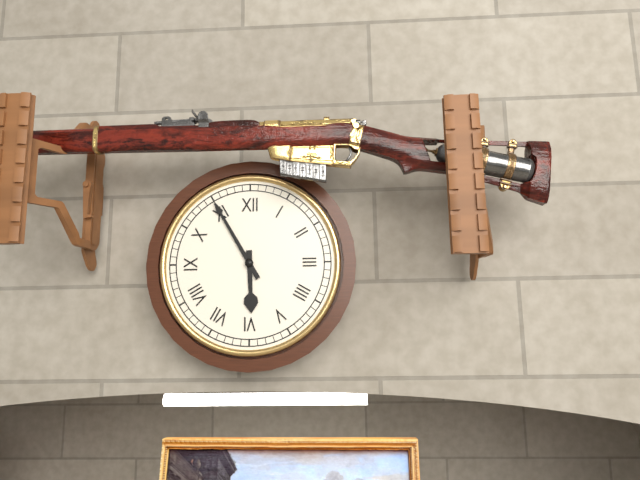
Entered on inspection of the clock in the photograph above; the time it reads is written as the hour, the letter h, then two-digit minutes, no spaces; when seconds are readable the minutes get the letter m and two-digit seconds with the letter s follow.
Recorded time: 5h55
